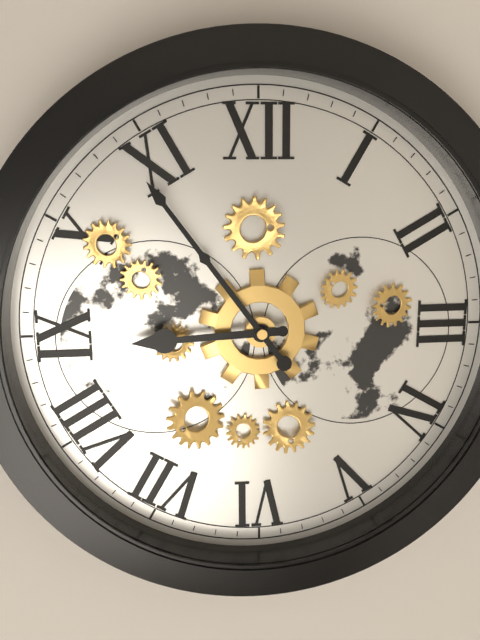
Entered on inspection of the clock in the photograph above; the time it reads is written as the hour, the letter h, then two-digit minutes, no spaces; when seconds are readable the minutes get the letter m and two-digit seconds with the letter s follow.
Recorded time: 8h54
